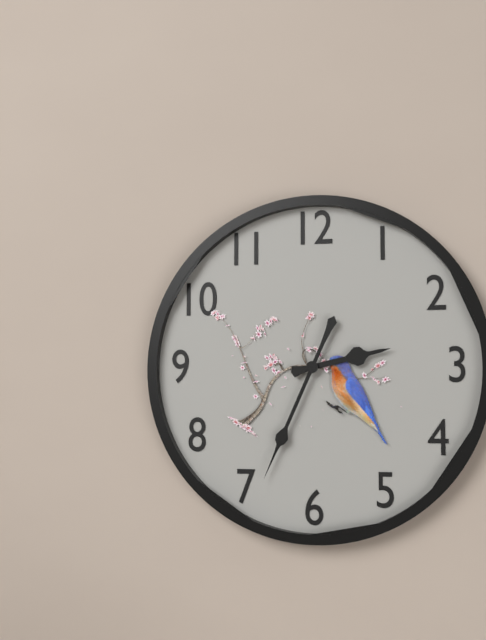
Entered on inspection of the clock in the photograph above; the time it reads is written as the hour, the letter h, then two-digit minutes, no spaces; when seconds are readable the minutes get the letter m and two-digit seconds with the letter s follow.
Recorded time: 2h34
